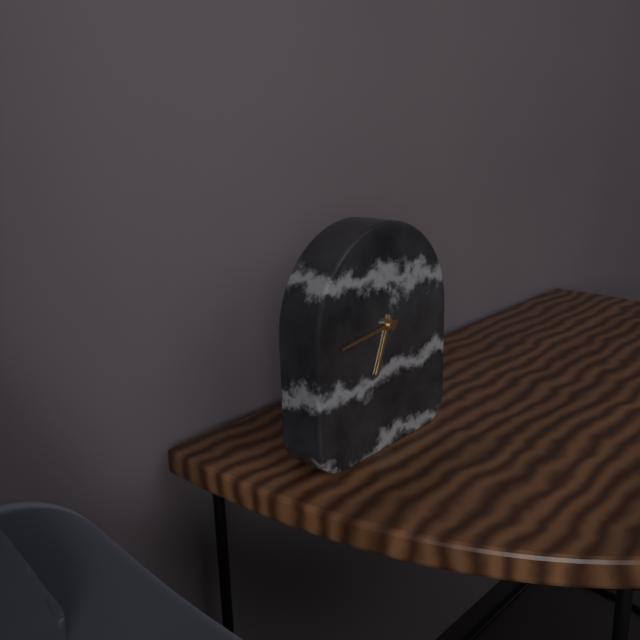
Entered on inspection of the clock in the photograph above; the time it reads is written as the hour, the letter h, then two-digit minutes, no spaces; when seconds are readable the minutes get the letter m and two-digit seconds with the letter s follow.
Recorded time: 6h44
